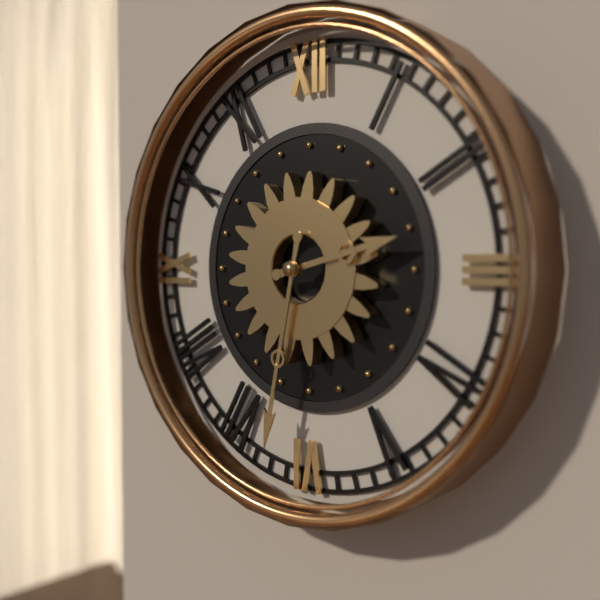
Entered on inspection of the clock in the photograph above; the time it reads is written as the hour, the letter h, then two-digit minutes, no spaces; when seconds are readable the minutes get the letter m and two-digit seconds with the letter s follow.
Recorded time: 2h32
